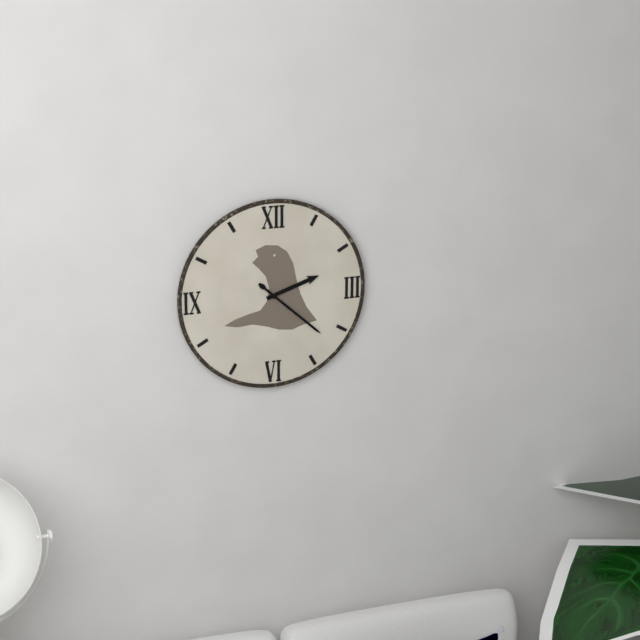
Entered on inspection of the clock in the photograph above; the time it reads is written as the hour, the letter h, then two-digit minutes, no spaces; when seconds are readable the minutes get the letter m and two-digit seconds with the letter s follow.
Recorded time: 2h22
